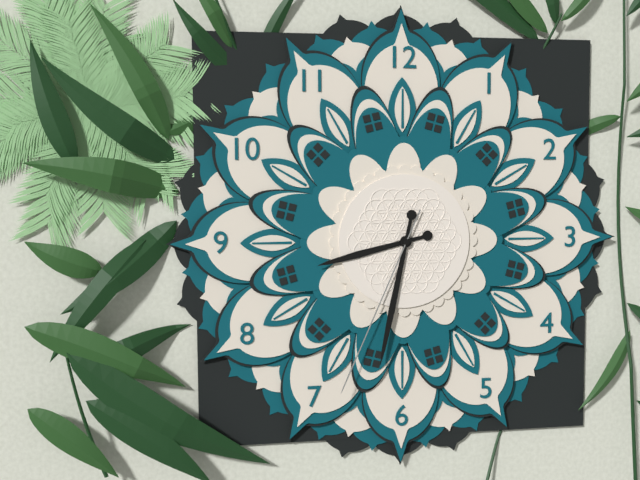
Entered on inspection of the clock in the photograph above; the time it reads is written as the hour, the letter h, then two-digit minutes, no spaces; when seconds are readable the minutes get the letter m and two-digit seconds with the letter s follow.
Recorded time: 8h32m34s
